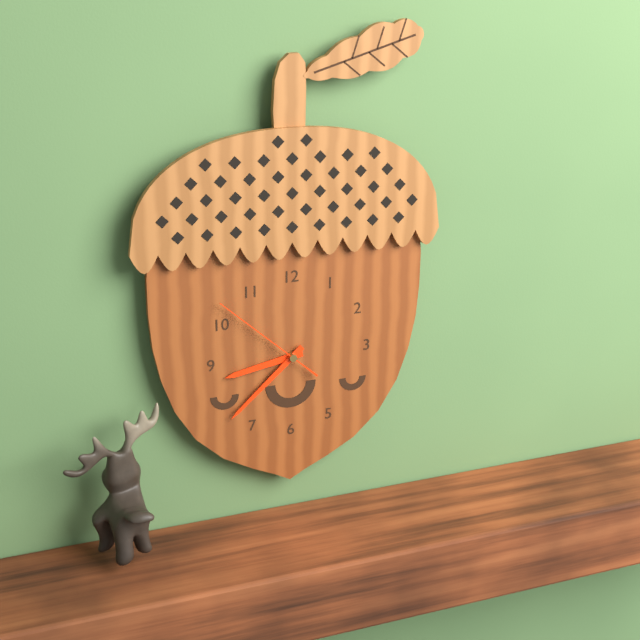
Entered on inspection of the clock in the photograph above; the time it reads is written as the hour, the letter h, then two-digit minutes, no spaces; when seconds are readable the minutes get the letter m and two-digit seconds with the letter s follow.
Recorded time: 8h38m52s
